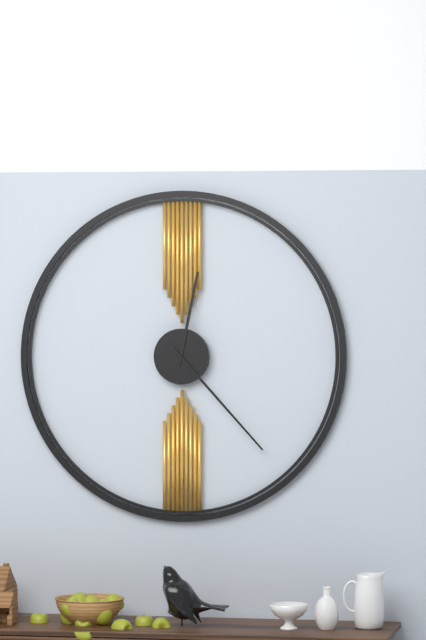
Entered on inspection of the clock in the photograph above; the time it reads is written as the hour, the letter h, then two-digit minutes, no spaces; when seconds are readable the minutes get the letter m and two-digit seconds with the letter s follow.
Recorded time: 12h23
